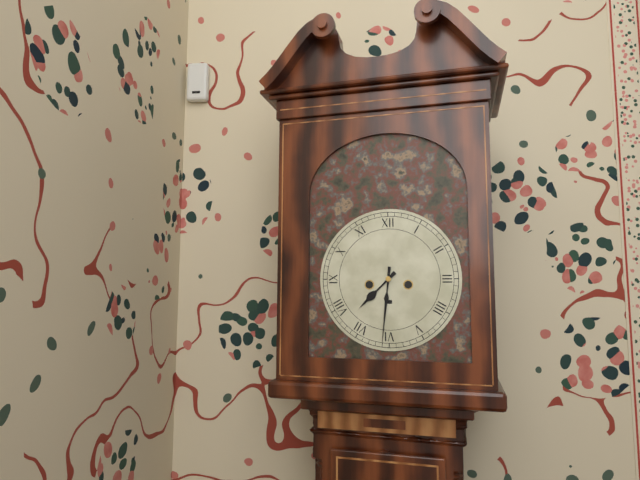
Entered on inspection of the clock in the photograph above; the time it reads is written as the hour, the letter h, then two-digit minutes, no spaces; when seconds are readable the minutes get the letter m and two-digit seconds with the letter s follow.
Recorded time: 7h31
